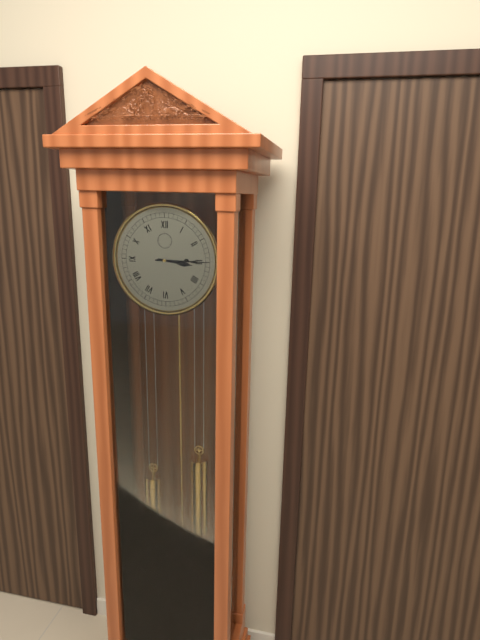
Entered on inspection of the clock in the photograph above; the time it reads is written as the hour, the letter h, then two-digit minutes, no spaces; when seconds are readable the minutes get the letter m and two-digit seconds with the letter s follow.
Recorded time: 3h15
